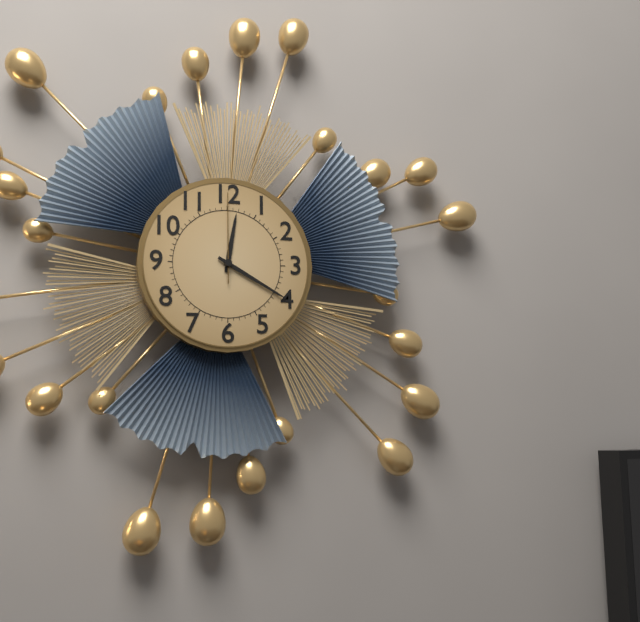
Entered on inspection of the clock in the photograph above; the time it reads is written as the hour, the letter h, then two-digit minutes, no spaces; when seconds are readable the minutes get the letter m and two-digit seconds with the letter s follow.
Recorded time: 12h20m00s
